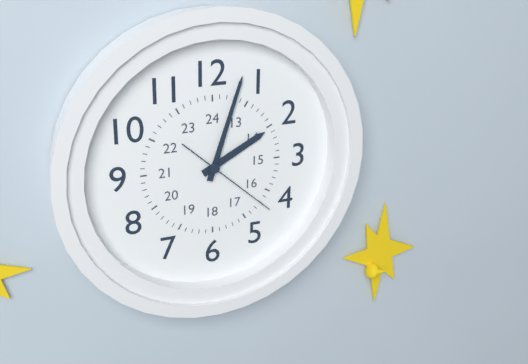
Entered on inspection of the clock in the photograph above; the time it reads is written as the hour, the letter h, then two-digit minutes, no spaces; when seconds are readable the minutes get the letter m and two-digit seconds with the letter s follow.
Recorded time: 2h03m22s
